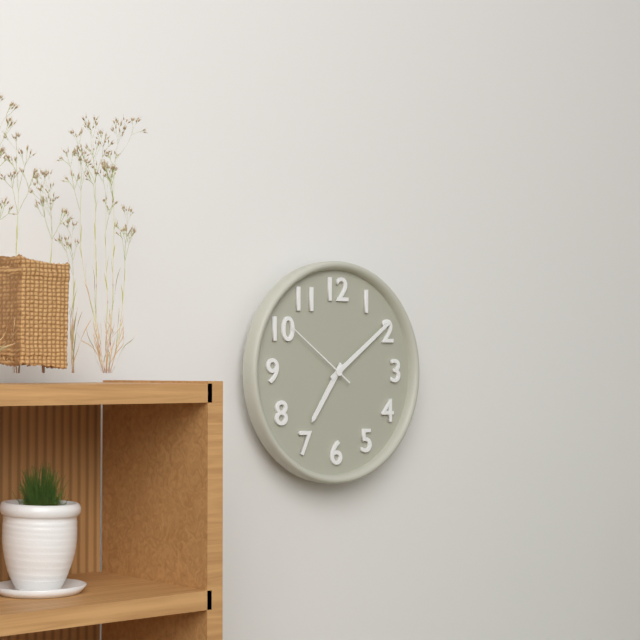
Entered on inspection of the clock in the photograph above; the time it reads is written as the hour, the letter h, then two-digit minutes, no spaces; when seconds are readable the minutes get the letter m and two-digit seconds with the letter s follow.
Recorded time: 7h09m51s
